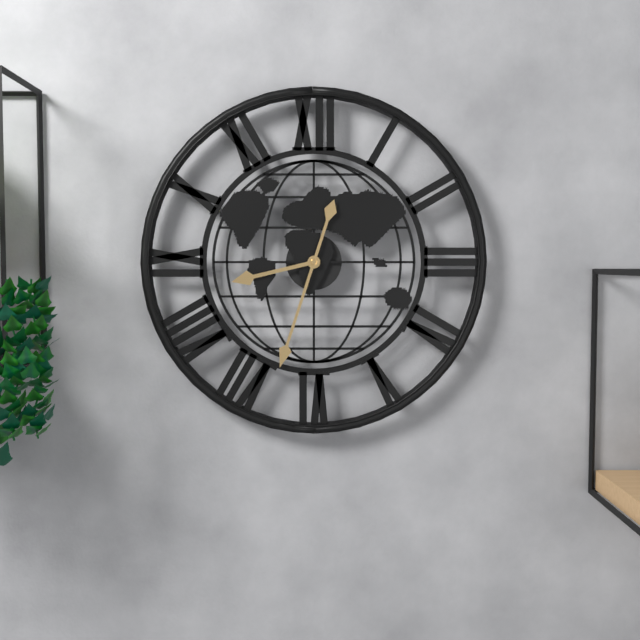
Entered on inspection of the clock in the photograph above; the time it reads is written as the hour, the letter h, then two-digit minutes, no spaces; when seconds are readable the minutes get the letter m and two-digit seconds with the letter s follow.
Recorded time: 8h33
